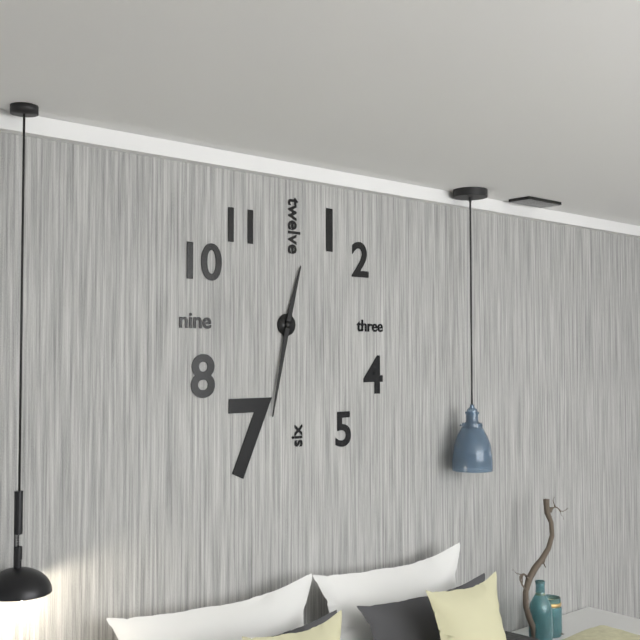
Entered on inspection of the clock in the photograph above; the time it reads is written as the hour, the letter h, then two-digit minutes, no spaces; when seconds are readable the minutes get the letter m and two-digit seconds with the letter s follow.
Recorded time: 12h32
